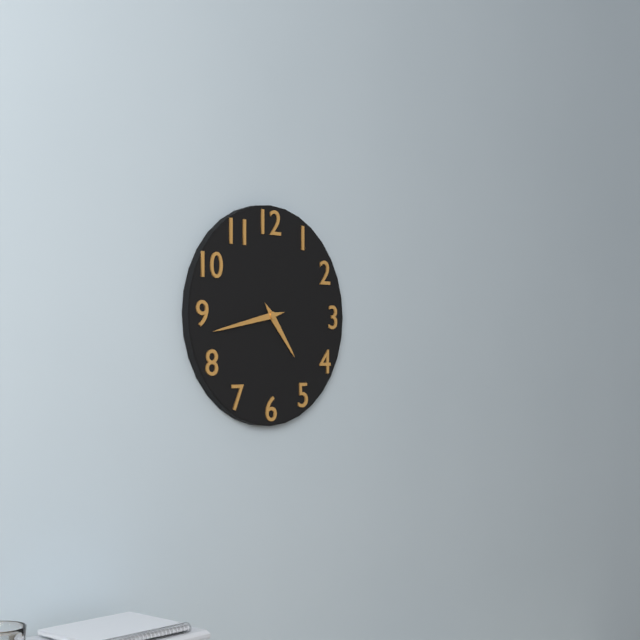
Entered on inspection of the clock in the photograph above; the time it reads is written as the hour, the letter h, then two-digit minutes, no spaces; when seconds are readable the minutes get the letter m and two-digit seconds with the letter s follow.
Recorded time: 4h43
